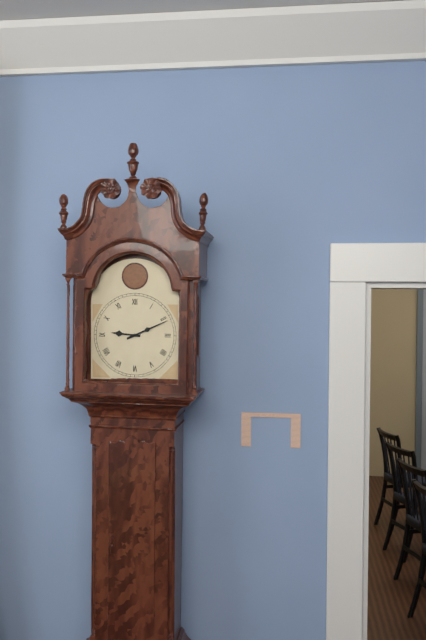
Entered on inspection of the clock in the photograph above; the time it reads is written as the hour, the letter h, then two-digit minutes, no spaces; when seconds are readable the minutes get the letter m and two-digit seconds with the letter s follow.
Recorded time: 9h11
